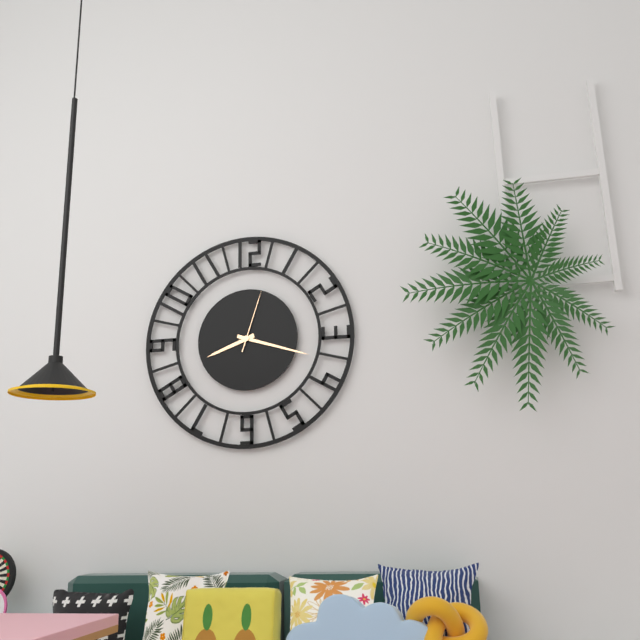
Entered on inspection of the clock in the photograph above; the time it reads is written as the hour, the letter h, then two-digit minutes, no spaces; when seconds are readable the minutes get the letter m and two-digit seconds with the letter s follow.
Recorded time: 8h18m03s
